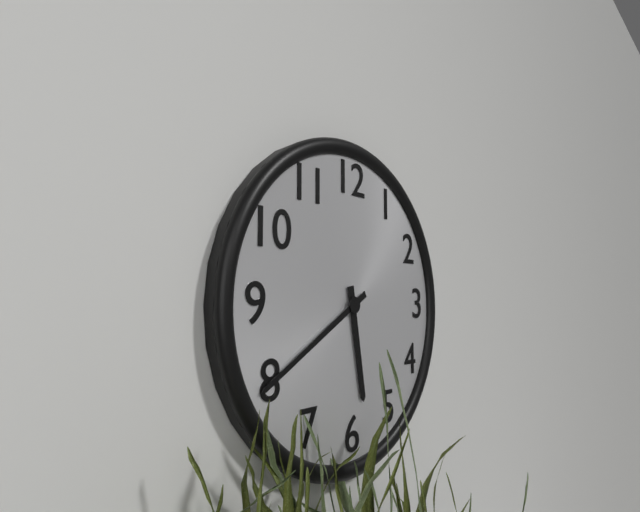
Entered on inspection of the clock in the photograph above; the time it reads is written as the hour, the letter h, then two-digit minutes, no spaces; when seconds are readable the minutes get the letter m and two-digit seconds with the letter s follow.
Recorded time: 5h40
